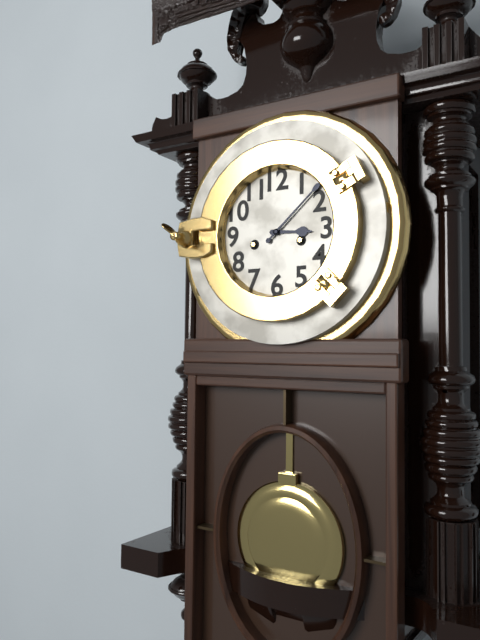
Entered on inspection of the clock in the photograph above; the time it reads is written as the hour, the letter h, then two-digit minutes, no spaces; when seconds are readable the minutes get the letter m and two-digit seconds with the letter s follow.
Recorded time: 3h08
